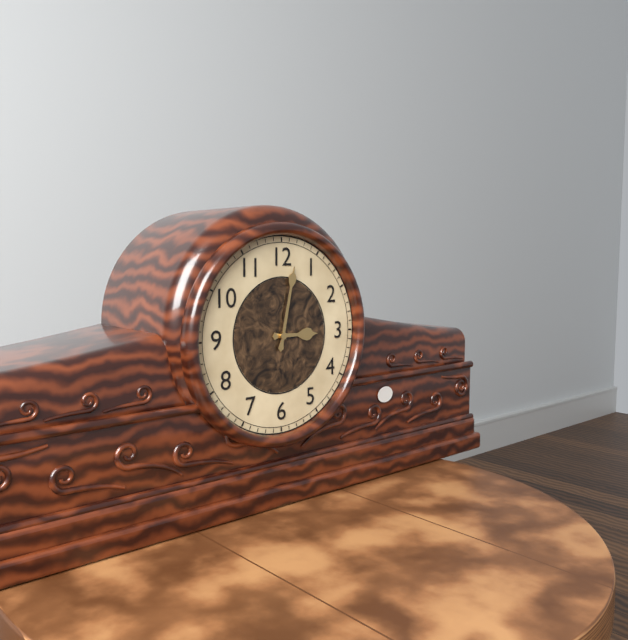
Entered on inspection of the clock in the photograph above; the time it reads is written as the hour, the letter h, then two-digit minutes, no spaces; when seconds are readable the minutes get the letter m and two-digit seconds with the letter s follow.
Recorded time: 3h02
